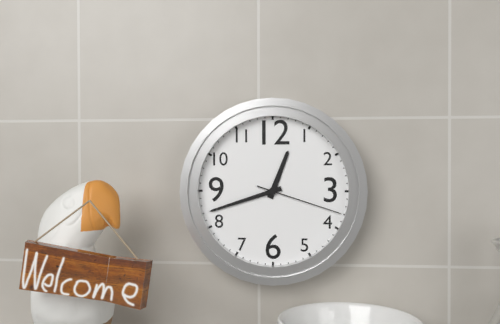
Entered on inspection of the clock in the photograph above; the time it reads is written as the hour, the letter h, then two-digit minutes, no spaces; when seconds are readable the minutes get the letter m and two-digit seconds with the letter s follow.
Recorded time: 12h42m18s
